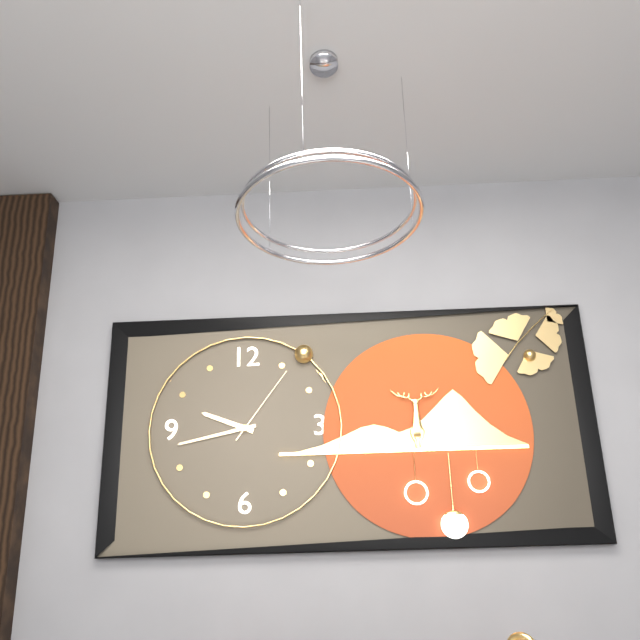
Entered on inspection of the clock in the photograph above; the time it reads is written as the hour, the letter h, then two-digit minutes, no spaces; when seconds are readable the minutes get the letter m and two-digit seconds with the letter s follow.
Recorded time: 9h43m06s
